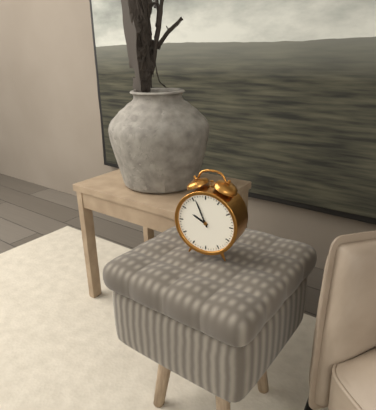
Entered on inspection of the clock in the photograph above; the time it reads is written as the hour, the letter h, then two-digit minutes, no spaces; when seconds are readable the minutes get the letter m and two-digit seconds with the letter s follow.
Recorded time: 9h56
